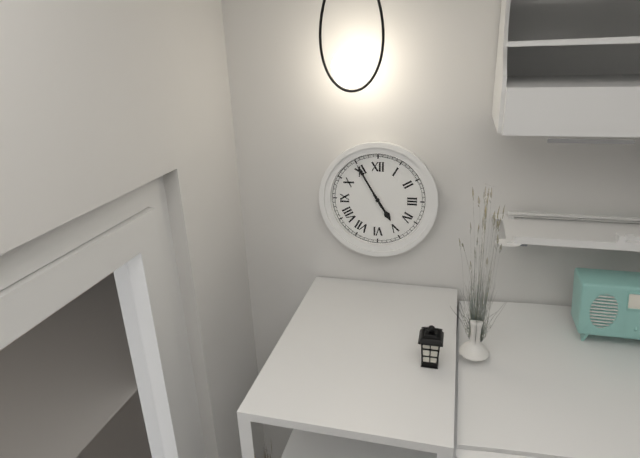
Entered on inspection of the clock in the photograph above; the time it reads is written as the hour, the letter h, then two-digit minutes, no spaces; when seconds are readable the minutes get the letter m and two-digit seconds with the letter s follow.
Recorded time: 4h55
